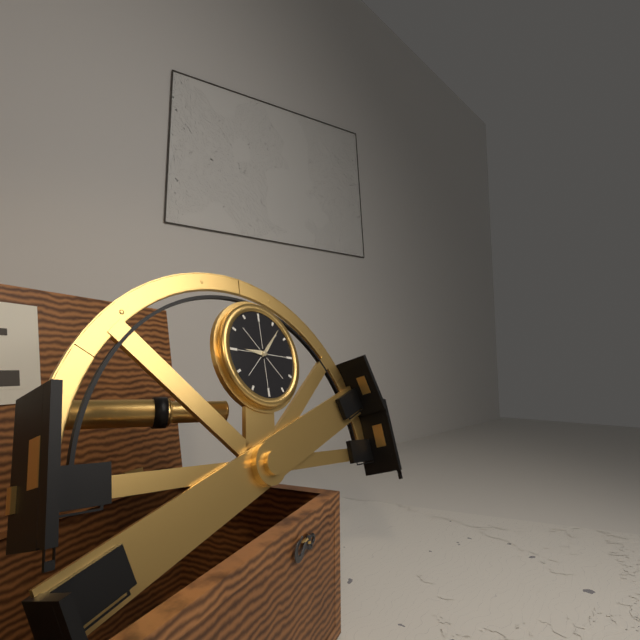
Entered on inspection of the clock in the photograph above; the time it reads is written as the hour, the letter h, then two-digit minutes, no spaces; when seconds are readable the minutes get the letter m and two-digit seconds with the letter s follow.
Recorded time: 9h07
